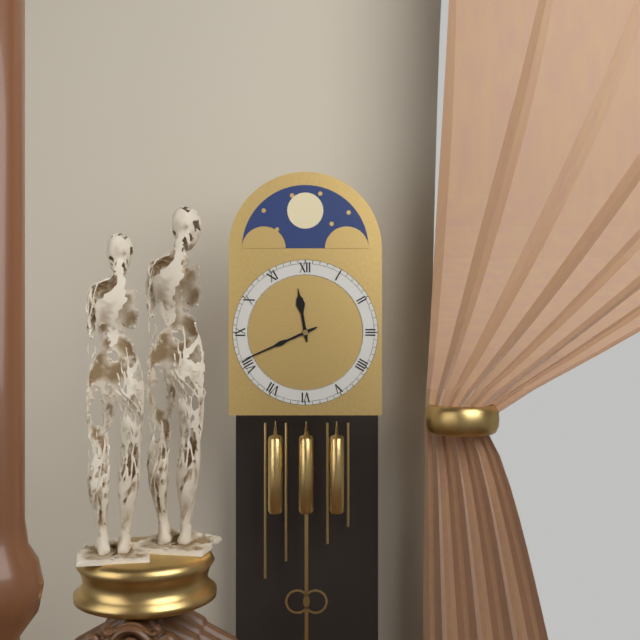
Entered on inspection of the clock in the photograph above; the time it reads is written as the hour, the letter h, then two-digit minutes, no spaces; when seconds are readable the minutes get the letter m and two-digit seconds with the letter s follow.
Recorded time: 11h41
